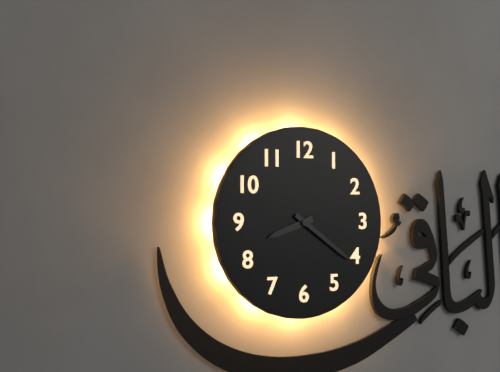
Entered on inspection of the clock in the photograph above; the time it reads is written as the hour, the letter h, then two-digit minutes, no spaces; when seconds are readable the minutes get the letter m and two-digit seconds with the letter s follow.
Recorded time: 8h21
